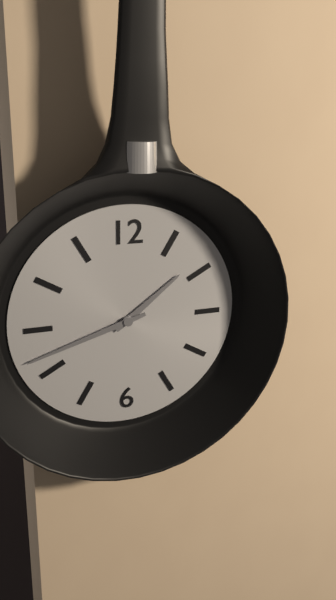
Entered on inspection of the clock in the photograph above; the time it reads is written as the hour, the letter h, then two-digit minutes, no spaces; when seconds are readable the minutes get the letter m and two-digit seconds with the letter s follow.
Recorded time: 1h42
